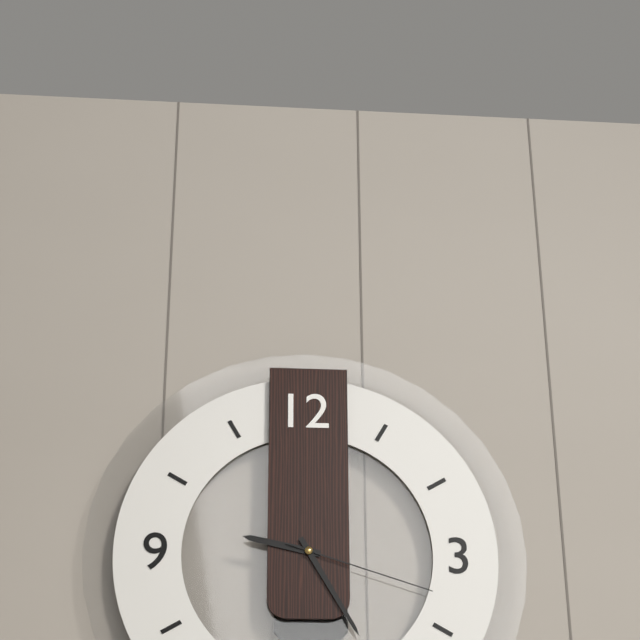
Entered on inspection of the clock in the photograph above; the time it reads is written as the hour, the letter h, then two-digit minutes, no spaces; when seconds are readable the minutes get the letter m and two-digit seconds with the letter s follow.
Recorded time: 9h25m18s
